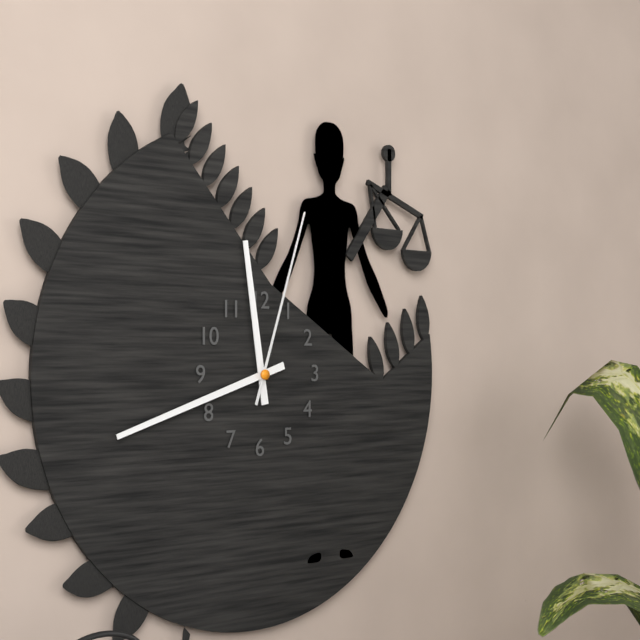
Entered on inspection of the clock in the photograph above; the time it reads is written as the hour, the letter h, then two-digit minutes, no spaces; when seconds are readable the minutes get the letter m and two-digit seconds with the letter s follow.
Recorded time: 11h42m03s
